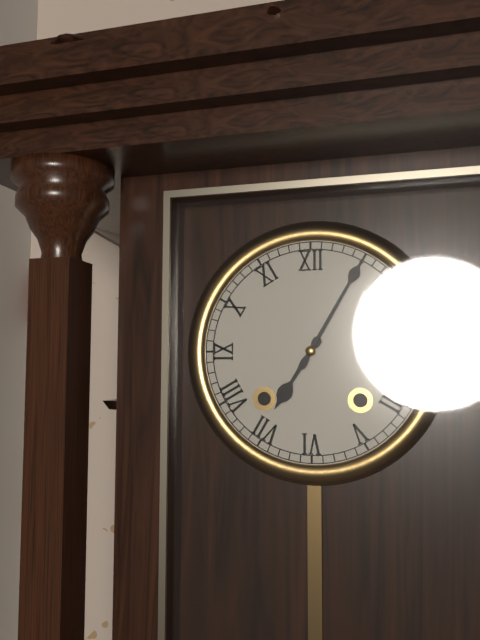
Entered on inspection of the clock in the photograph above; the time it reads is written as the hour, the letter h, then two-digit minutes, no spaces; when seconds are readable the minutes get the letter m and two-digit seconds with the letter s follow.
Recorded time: 7h05
